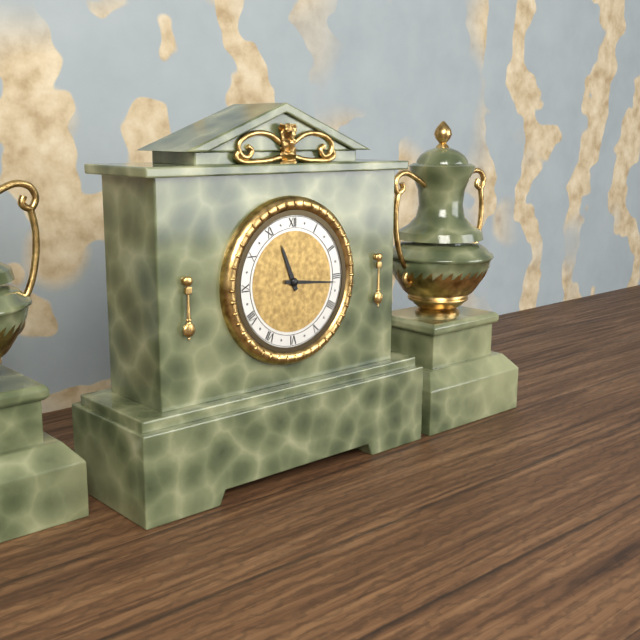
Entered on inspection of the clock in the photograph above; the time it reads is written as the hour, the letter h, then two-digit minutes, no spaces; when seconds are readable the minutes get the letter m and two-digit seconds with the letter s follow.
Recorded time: 11h16
